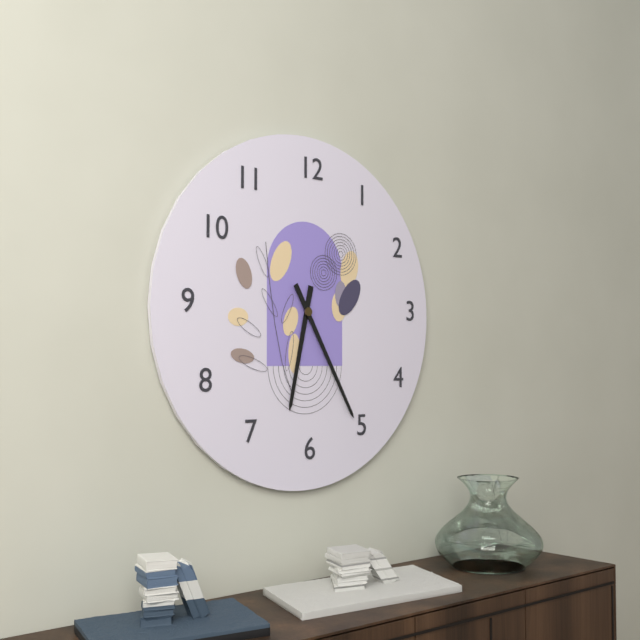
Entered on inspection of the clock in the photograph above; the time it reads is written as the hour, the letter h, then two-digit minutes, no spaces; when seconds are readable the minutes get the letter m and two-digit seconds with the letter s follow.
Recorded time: 6h25
